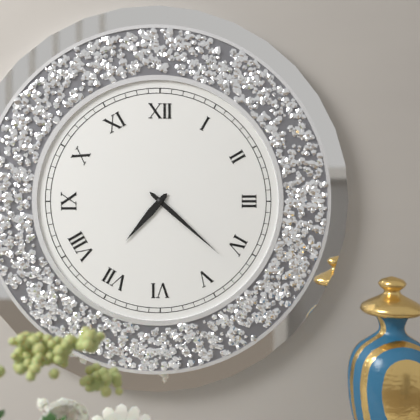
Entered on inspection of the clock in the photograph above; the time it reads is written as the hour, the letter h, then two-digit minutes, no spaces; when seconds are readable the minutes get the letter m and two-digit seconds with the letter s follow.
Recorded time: 7h22
